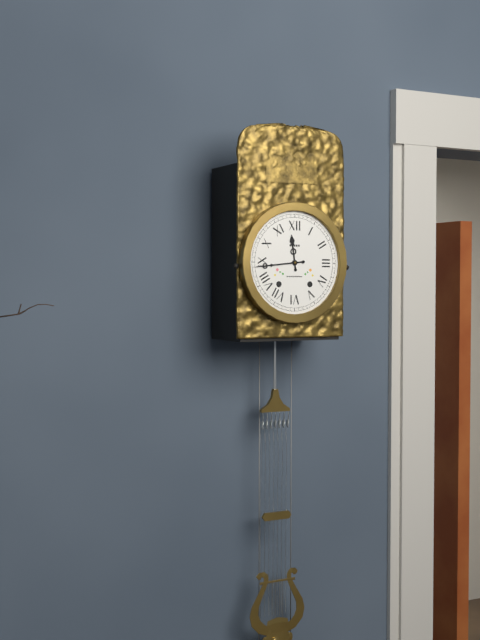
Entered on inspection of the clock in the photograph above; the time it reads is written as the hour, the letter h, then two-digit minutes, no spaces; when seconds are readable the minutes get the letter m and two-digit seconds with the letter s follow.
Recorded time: 11h44
